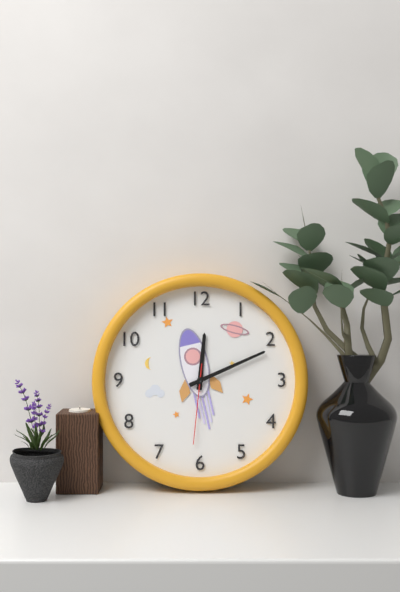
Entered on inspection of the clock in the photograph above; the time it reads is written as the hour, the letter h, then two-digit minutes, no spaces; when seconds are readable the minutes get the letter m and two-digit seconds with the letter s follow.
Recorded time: 12h11m31s
